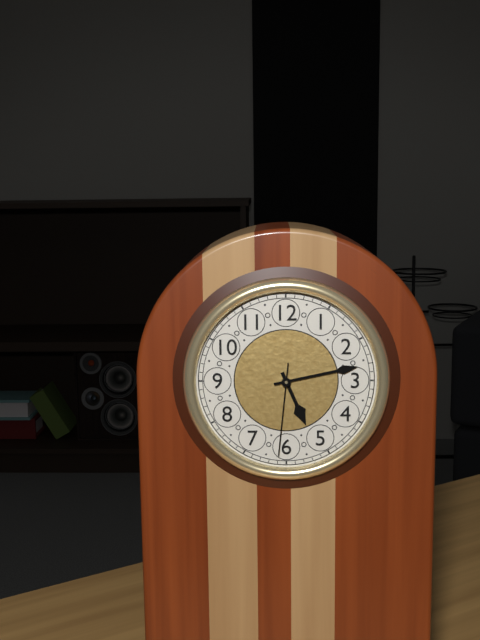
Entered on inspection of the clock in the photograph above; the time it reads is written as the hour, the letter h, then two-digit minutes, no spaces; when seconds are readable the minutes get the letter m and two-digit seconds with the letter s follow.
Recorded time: 5h13m31s
